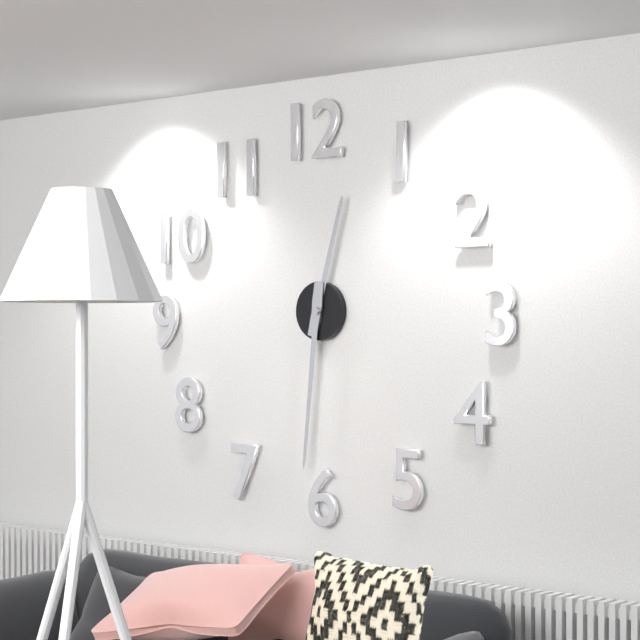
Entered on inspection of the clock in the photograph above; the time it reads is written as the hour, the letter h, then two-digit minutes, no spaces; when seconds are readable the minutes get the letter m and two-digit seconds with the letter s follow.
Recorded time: 12h31
